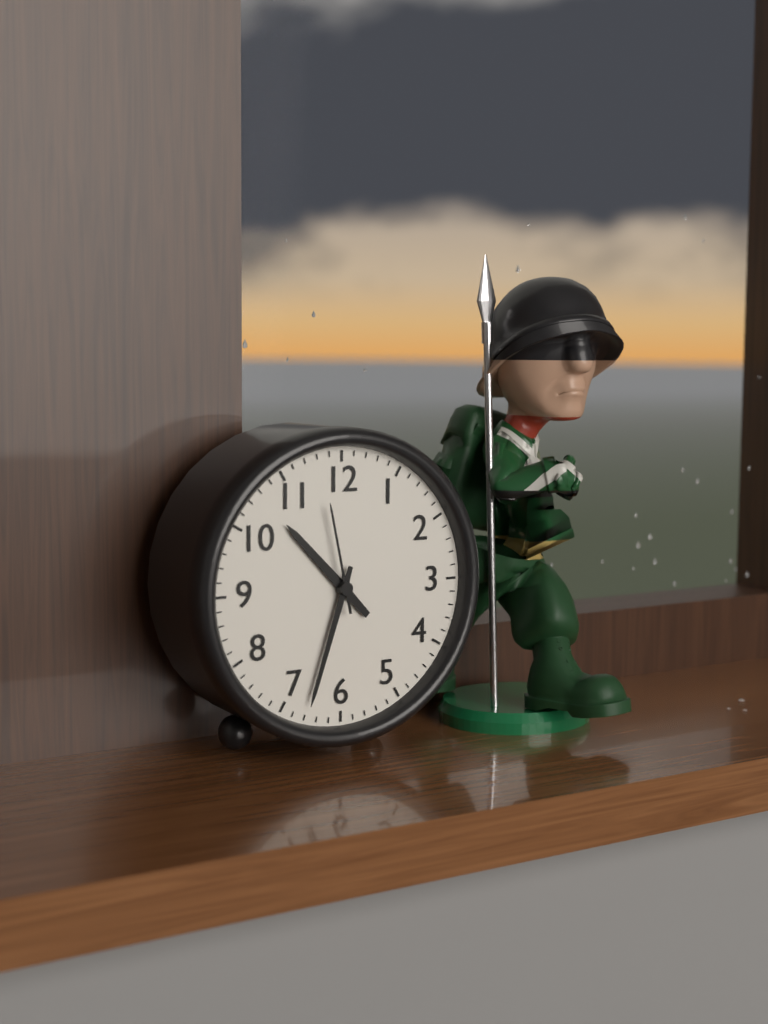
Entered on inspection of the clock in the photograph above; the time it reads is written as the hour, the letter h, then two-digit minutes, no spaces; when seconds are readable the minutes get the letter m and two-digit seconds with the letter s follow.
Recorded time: 10h33m58s
